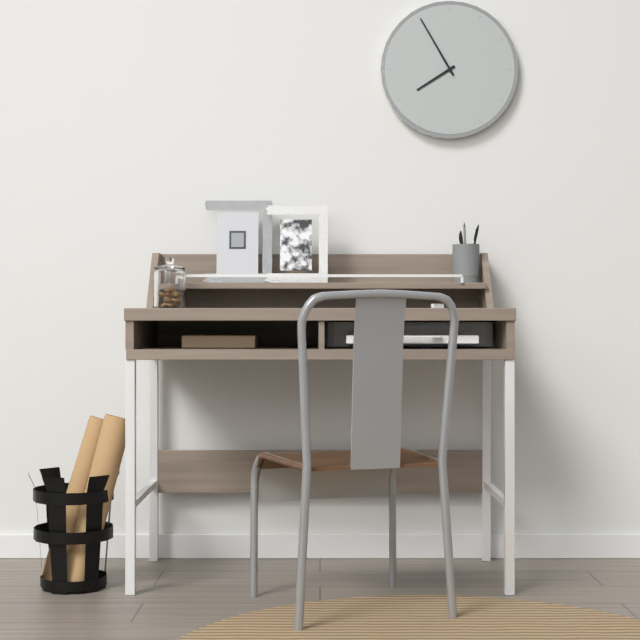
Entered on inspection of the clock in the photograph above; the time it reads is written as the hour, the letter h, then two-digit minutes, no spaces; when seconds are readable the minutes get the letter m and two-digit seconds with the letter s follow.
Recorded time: 7h55
